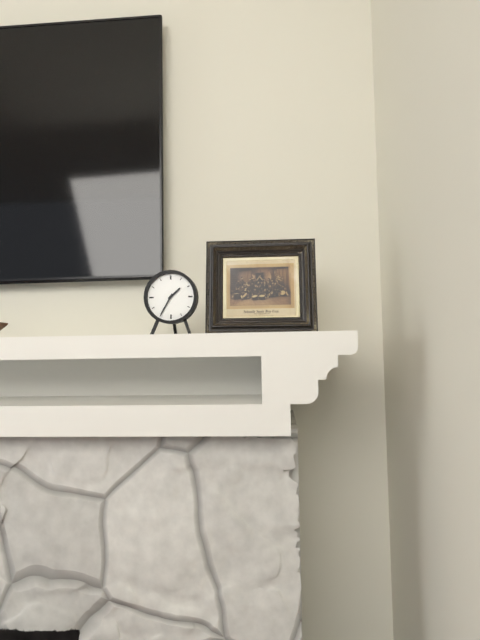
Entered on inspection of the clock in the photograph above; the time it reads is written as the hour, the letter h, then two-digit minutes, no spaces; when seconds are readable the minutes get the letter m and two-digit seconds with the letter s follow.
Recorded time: 1h35
